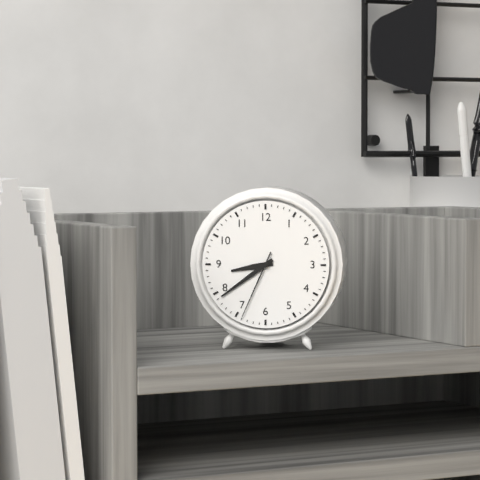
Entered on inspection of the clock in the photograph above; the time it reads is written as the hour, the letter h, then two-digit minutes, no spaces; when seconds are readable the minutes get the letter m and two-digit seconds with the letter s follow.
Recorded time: 8h39m34s
